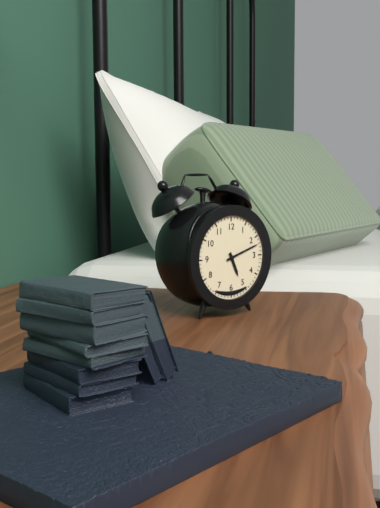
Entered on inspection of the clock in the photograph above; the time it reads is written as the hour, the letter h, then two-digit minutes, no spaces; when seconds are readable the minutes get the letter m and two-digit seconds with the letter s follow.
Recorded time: 5h12
